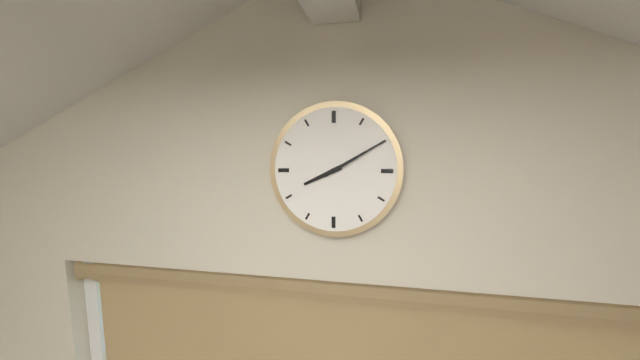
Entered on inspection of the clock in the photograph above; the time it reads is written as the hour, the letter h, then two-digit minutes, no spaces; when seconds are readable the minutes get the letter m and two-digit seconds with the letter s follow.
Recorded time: 8h10
